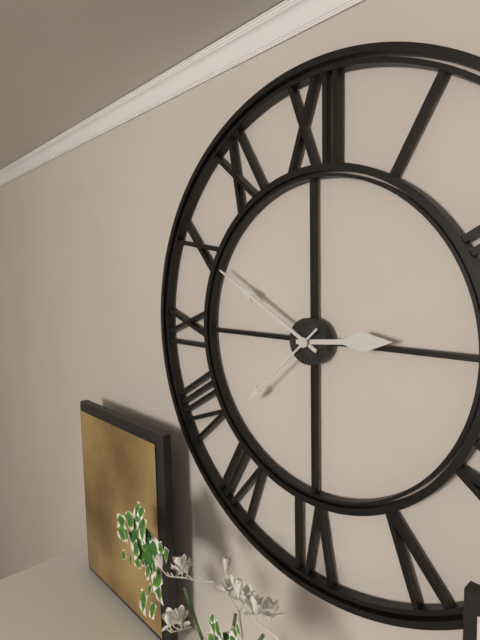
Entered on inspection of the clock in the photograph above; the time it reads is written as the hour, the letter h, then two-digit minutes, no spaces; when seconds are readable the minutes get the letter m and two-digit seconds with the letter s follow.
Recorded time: 2h50m38s
